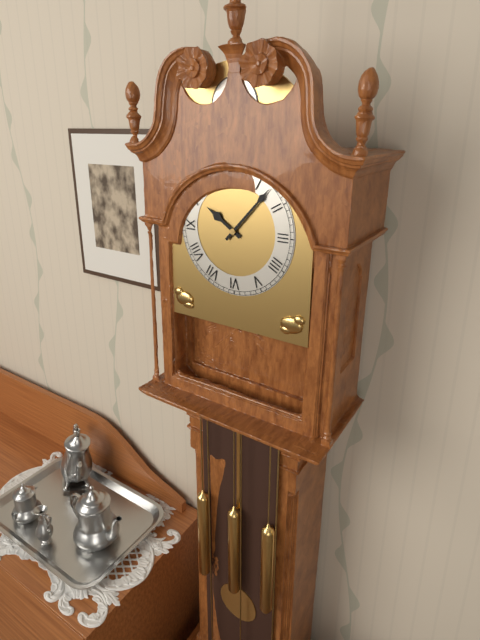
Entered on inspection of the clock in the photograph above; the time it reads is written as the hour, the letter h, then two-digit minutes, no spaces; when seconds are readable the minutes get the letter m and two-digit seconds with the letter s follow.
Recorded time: 10h07
